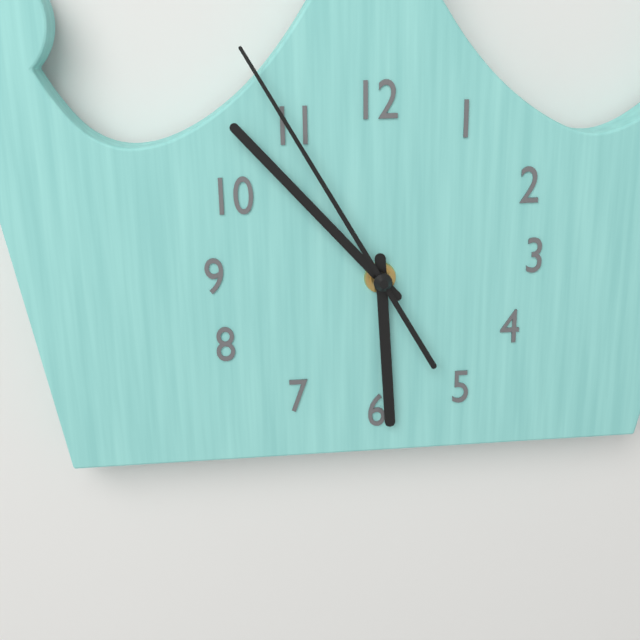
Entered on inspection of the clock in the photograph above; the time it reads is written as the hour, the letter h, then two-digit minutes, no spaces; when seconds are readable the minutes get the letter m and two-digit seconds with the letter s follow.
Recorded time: 5h53m55s
